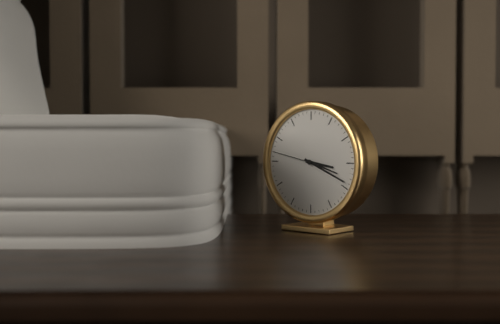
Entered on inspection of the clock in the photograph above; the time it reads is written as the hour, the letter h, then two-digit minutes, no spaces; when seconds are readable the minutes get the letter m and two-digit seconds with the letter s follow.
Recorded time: 3h19
